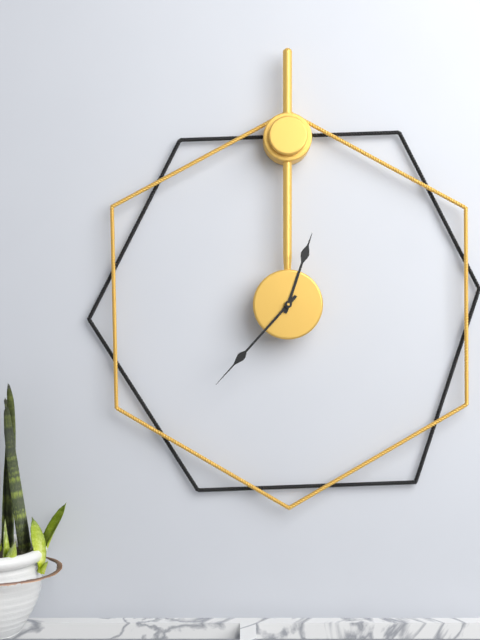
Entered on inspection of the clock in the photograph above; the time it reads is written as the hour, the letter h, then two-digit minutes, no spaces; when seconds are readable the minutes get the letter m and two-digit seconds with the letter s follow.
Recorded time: 12h37
